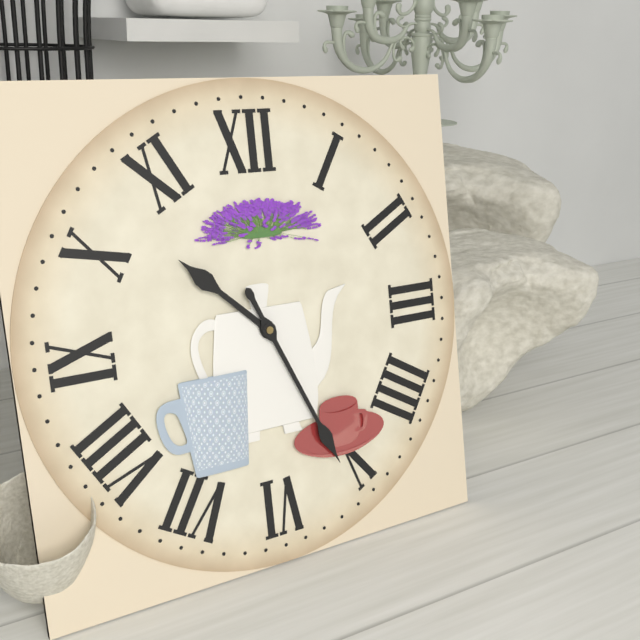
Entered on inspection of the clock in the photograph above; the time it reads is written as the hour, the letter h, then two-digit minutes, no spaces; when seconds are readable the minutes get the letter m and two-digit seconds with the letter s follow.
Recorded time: 10h26
